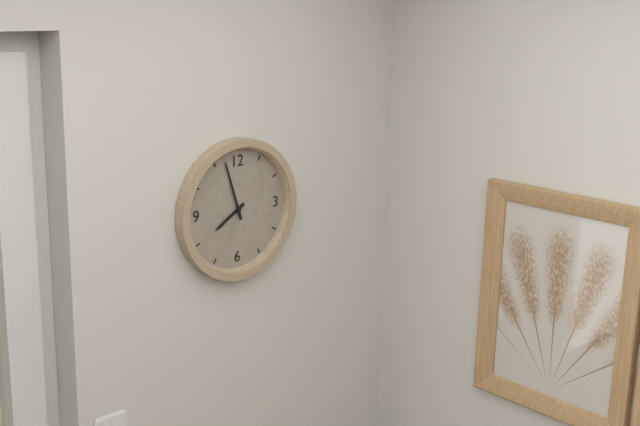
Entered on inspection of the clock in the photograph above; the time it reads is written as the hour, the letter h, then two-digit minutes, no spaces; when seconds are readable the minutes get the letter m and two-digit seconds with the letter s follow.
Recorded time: 7h57
